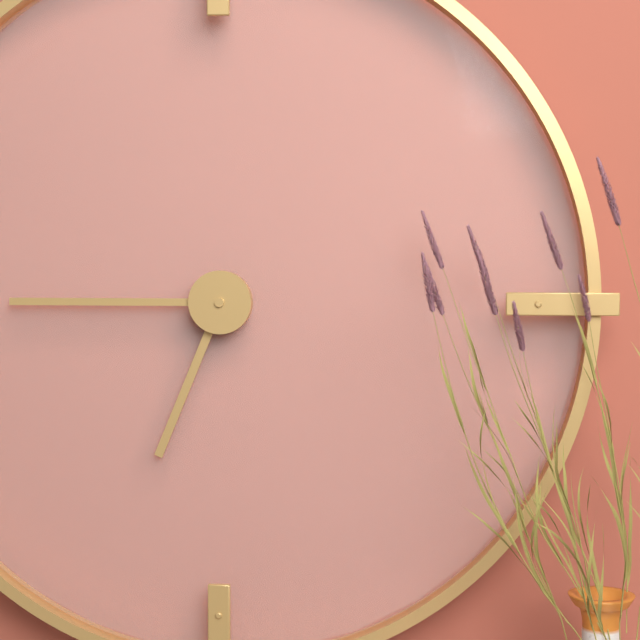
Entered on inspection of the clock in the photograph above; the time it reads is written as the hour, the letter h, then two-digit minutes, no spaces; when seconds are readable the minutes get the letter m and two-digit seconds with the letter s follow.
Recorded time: 6h45
